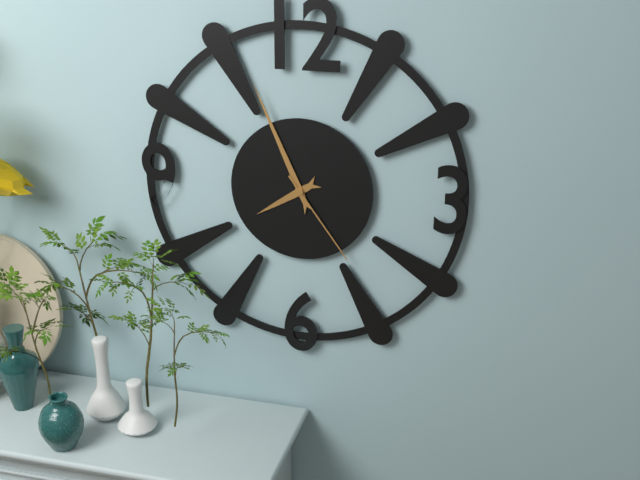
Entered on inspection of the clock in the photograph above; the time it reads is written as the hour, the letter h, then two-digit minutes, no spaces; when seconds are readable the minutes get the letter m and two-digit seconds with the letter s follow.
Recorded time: 7h56m24s
